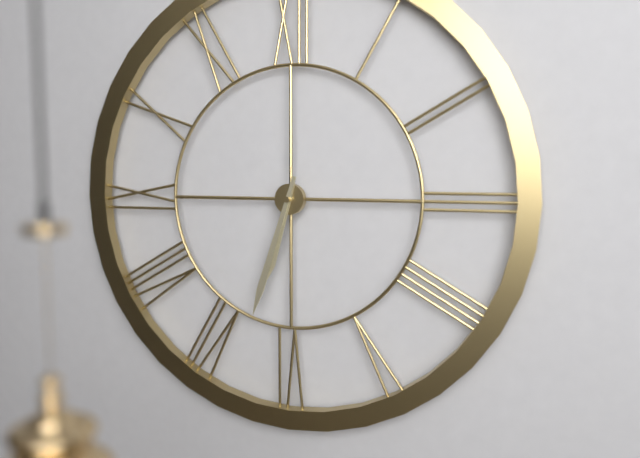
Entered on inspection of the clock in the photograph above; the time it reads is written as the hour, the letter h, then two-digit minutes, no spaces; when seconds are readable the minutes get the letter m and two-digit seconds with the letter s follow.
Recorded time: 6h33
